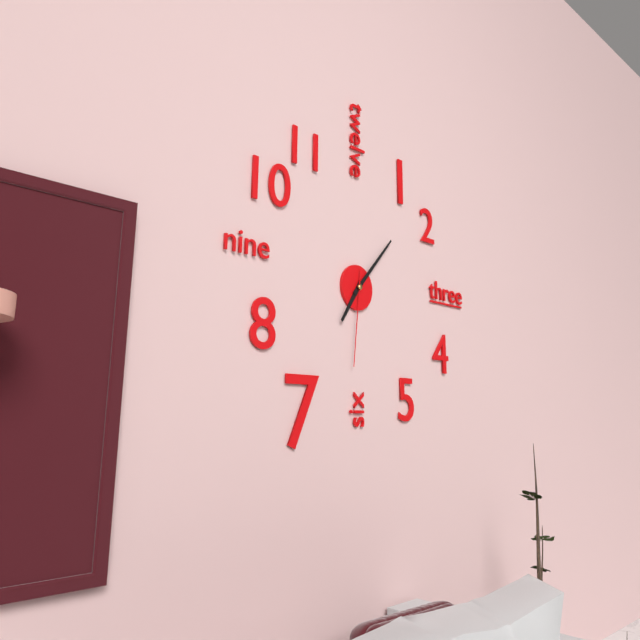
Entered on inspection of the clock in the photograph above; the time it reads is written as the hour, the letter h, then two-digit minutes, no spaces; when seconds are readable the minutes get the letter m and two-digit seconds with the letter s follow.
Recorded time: 7h07m31s
